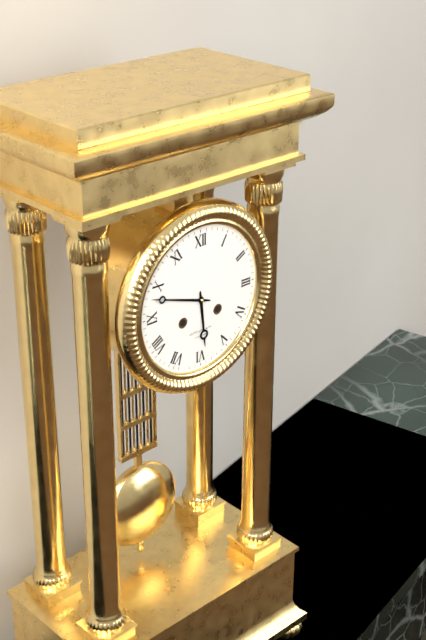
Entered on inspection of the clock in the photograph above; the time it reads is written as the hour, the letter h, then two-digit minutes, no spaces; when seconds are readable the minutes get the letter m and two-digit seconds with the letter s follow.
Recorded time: 5h48
